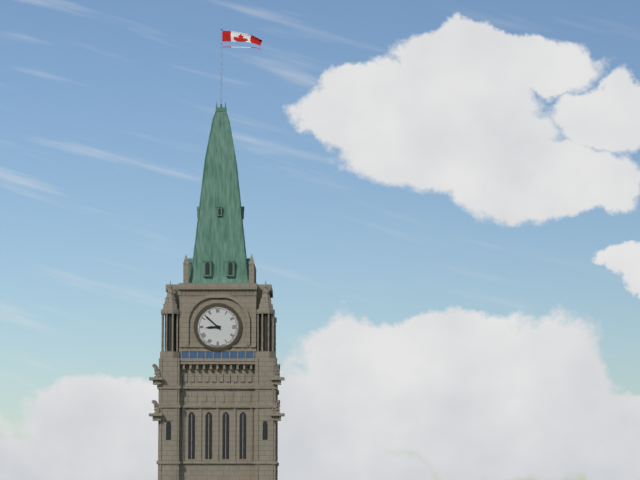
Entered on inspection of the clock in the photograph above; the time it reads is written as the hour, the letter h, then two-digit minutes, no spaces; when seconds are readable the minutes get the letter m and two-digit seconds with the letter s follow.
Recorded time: 8h52
